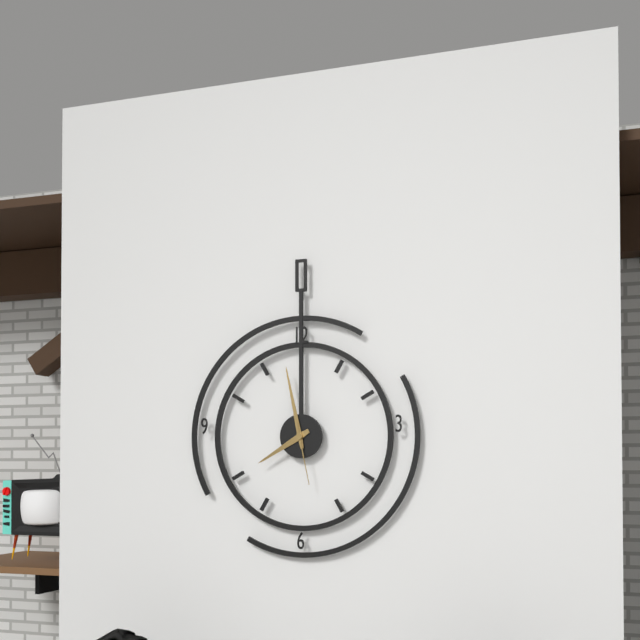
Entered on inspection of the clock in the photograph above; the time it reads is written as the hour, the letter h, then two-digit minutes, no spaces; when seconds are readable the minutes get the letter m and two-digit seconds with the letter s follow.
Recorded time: 7h58m28s
